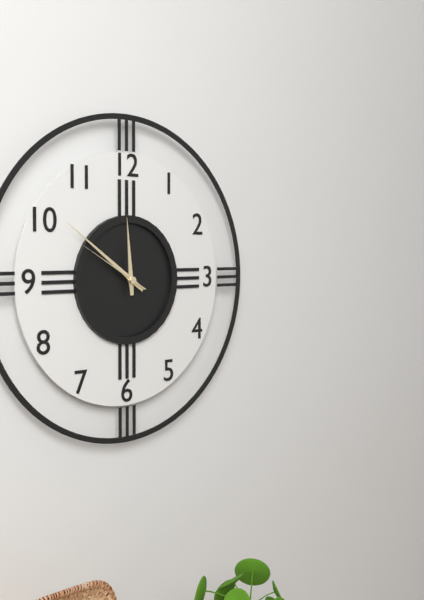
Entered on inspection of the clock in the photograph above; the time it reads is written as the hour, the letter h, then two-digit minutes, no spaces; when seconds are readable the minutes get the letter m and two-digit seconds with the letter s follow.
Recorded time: 11h51m50s
